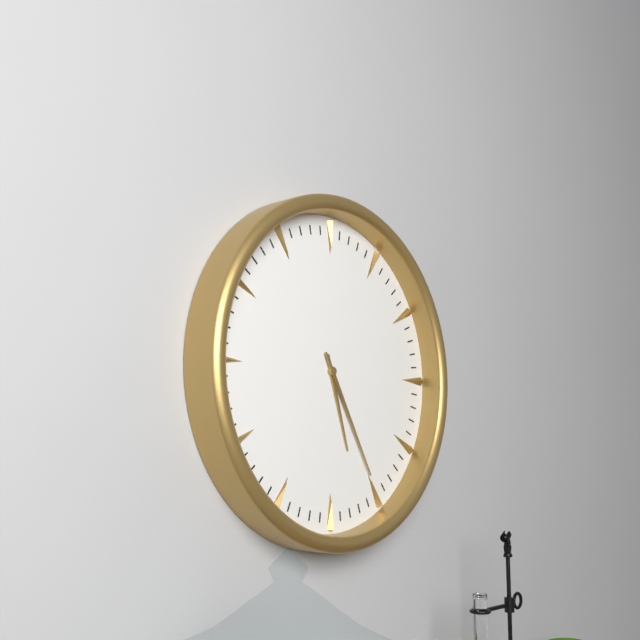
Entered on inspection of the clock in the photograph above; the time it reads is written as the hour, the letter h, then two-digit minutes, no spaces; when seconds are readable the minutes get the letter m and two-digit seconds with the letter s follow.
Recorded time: 5h25
